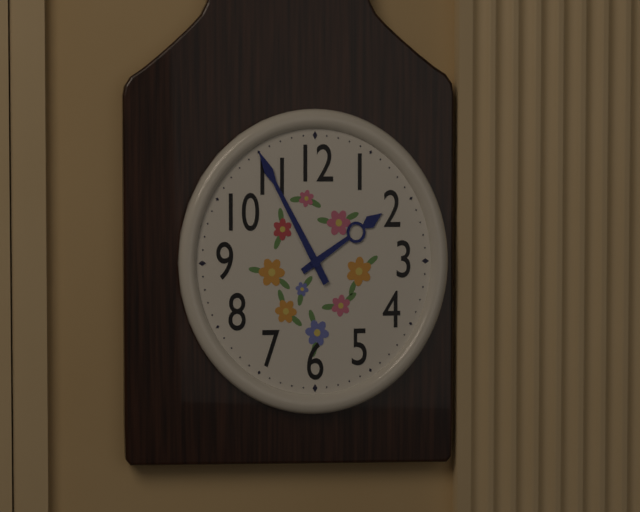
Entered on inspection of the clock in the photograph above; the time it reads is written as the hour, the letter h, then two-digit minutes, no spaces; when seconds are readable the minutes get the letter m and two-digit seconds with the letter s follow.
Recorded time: 1h55
